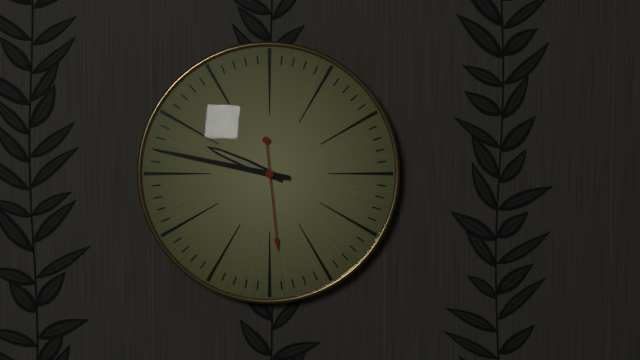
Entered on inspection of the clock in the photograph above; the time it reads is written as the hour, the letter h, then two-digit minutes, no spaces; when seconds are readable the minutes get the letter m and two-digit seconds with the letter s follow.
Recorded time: 9h47m29s
